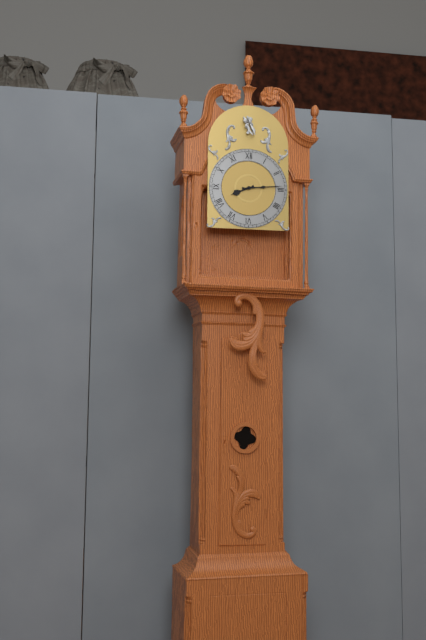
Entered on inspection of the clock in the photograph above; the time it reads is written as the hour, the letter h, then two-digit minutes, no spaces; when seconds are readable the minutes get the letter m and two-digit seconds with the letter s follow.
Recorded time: 8h14
